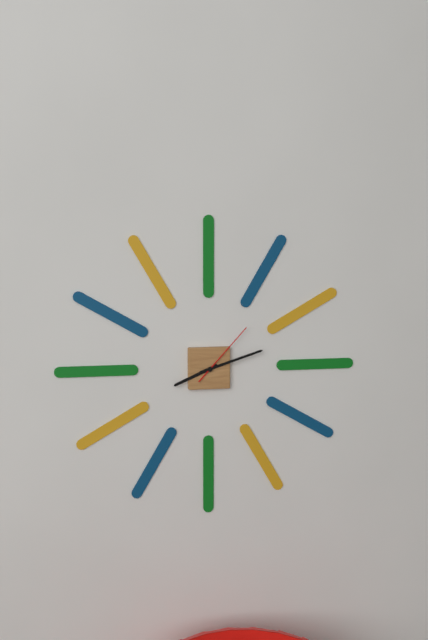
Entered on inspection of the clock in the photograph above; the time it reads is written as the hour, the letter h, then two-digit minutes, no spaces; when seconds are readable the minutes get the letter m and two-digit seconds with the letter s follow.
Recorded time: 8h12m07s
